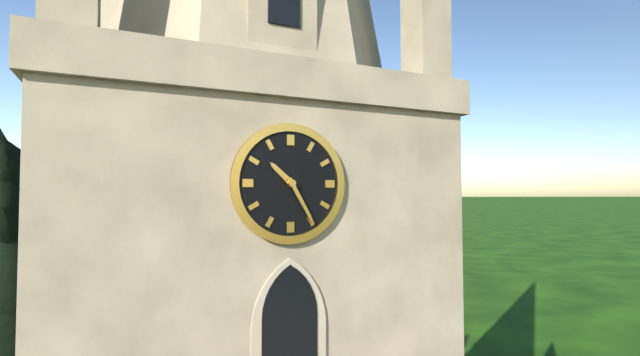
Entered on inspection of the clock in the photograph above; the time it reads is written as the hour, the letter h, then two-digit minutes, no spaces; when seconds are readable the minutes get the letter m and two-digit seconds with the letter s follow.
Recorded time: 10h25
